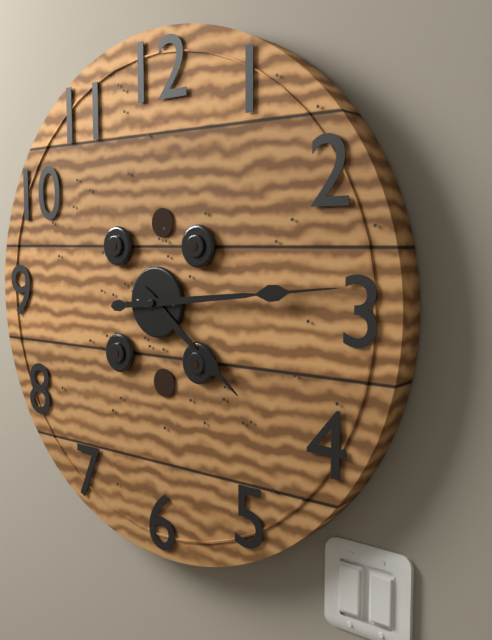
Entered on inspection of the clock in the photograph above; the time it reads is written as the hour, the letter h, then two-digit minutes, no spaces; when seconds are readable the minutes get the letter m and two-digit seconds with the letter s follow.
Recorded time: 4h14
